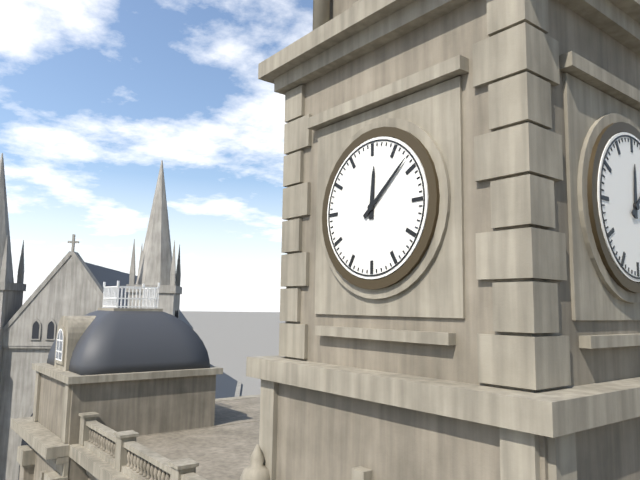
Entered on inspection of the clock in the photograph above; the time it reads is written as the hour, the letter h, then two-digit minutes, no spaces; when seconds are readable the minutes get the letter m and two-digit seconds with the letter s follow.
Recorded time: 12h08
